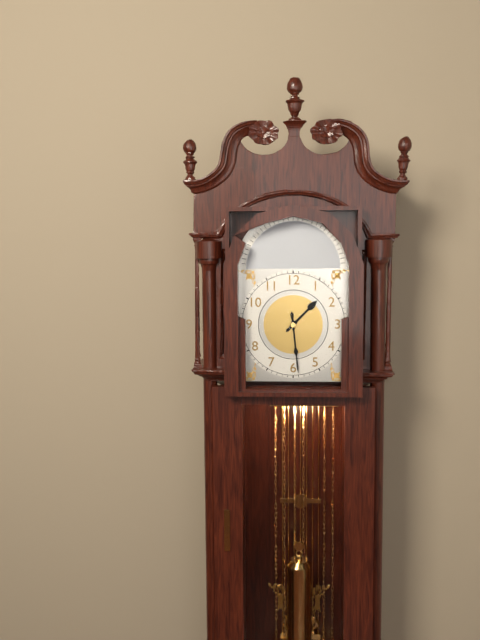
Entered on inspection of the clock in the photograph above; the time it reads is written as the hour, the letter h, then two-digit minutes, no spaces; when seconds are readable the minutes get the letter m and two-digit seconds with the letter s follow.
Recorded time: 1h29
